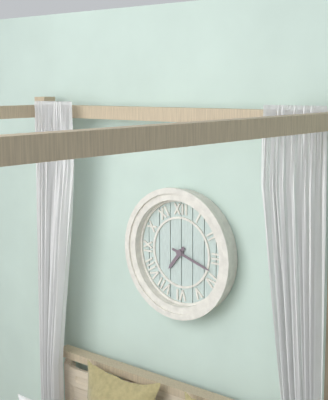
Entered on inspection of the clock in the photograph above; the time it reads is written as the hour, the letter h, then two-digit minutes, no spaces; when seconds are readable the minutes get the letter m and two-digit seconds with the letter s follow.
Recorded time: 7h18
